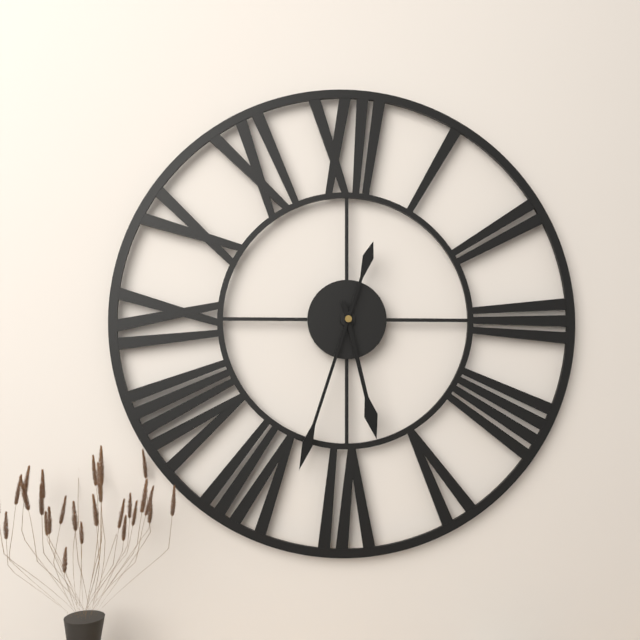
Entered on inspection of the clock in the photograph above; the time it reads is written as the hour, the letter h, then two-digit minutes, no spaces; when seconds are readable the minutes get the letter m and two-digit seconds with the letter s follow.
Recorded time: 5h33
